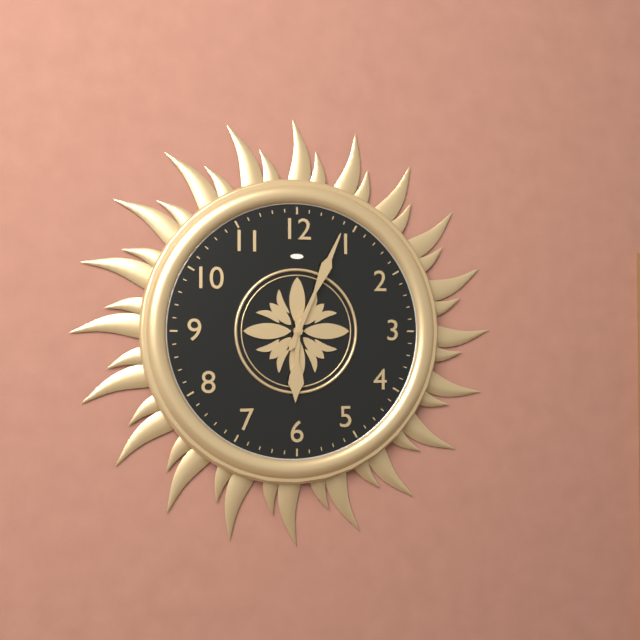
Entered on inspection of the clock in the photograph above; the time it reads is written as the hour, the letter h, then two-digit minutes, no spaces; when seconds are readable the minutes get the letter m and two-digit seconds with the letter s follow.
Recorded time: 6h04
